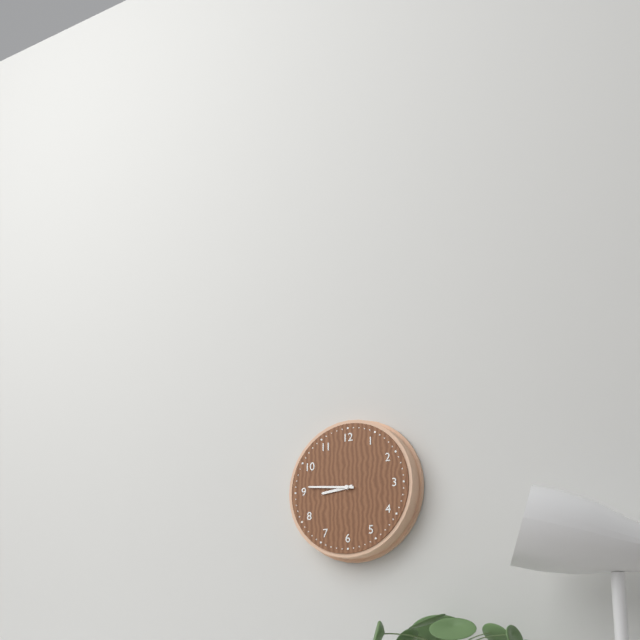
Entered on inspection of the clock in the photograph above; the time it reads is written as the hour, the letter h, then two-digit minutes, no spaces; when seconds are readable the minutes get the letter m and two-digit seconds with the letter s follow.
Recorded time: 8h46
